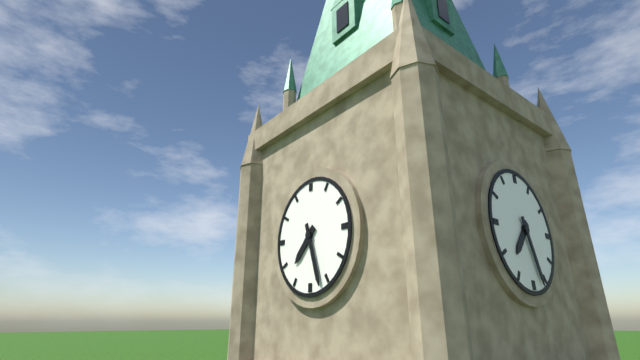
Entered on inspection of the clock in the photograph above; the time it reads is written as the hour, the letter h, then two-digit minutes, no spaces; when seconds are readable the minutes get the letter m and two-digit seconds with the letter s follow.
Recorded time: 7h27
